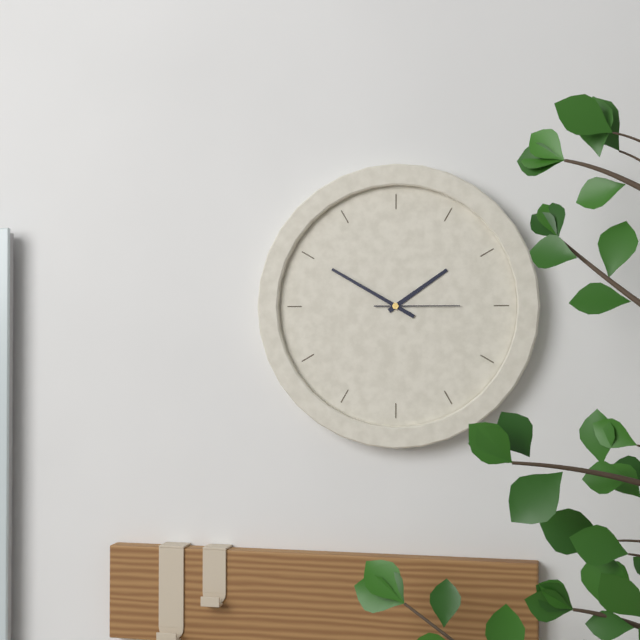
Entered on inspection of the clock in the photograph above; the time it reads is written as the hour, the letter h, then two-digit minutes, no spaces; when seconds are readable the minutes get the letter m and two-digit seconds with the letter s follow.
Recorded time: 1h50m15s
